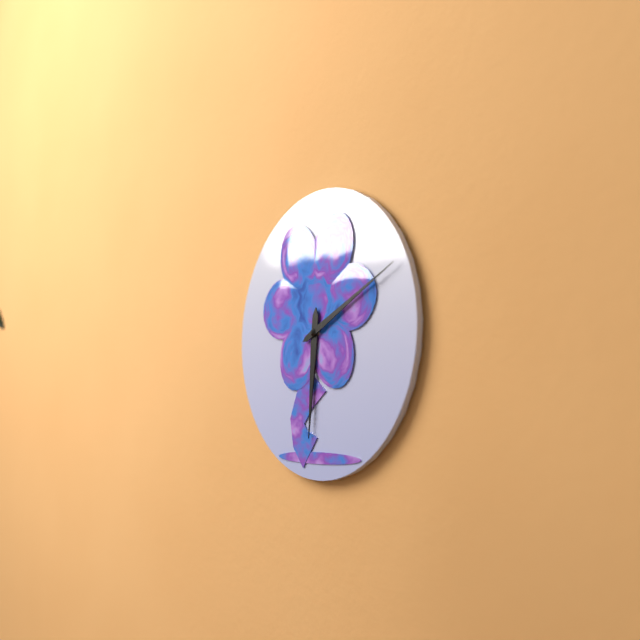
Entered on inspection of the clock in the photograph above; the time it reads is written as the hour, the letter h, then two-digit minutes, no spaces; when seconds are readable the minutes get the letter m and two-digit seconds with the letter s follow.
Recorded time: 6h11
